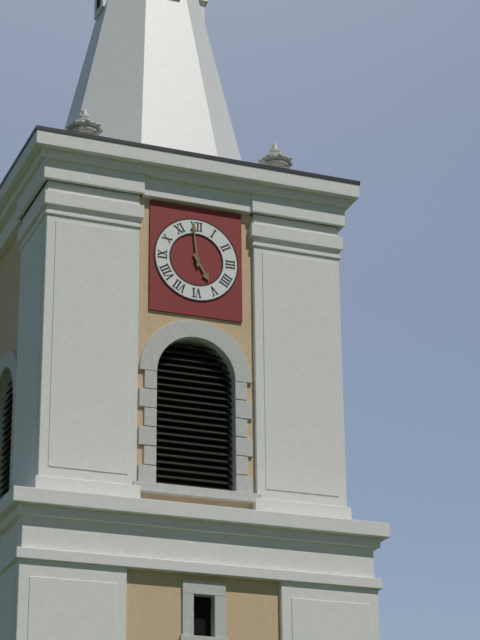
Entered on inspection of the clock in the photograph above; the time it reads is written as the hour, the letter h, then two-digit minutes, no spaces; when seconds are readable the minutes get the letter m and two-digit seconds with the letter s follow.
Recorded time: 4h59
